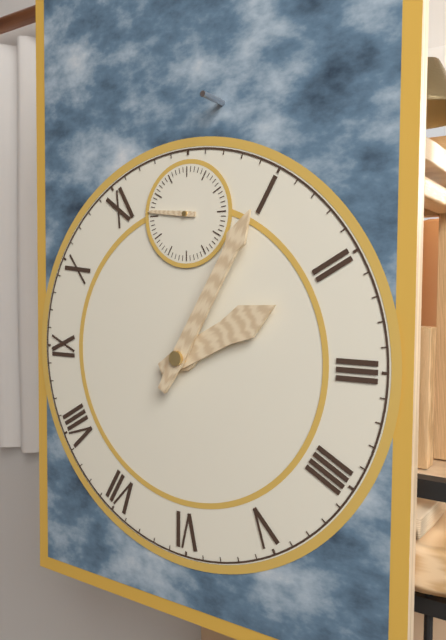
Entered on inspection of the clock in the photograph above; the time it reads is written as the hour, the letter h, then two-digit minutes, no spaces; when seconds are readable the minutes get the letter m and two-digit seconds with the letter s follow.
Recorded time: 2h05
